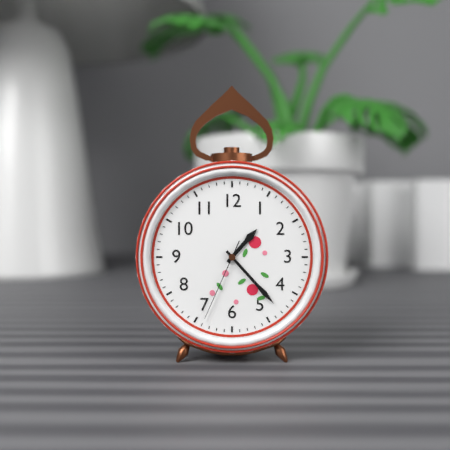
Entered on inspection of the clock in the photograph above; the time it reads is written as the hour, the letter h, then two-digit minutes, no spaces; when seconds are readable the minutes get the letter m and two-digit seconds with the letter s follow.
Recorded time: 1h23m34s
